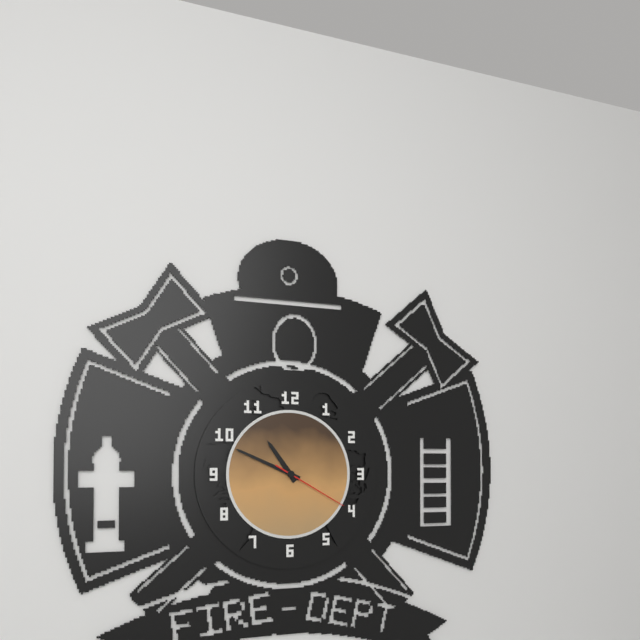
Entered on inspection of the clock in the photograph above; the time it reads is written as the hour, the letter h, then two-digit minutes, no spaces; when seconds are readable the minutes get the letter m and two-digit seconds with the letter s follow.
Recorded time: 10h49m20s
